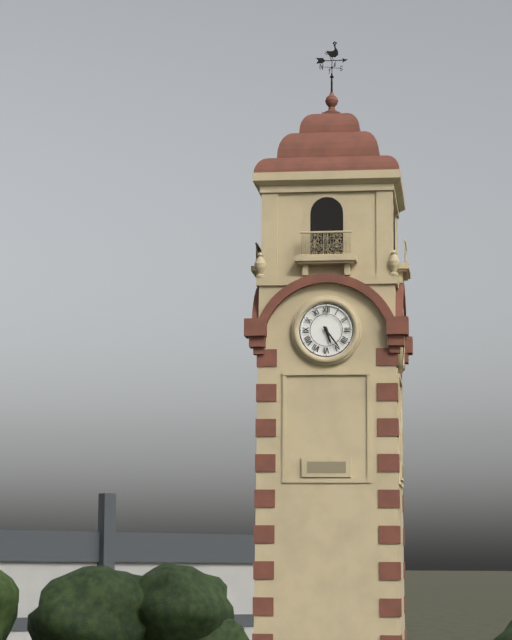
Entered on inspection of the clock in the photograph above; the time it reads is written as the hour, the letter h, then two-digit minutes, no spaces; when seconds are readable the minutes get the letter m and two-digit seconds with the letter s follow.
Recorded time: 5h24
